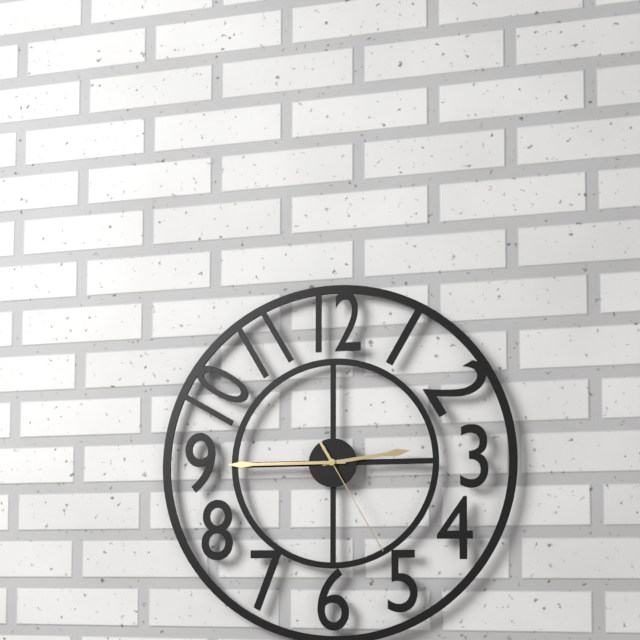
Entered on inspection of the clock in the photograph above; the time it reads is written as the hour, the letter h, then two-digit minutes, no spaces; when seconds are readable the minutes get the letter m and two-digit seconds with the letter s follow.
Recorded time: 2h45m25s
